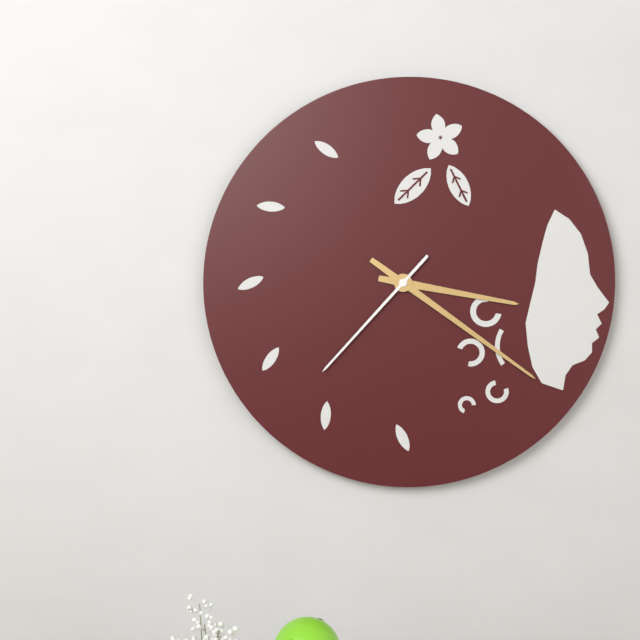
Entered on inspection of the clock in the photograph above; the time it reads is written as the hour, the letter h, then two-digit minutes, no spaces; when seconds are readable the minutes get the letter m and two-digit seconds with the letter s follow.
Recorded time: 3h21m37s
